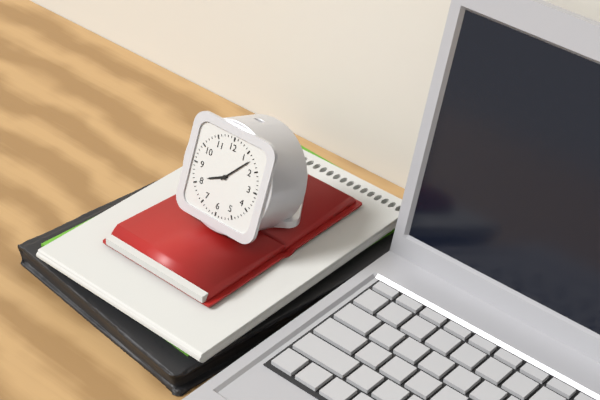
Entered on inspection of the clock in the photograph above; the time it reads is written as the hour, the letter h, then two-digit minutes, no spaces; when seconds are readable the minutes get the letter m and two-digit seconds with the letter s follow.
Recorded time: 8h07
